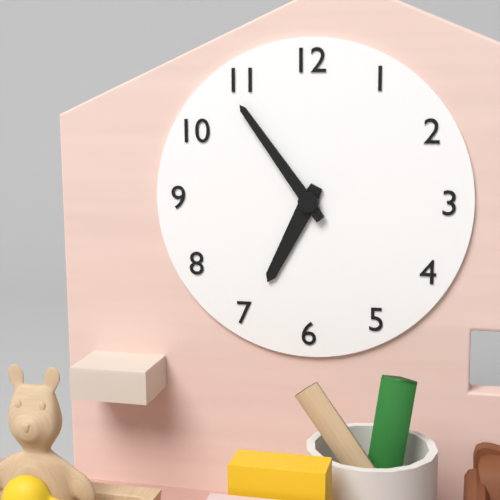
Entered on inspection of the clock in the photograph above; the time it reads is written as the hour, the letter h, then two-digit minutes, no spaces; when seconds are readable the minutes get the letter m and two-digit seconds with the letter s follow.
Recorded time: 6h54
